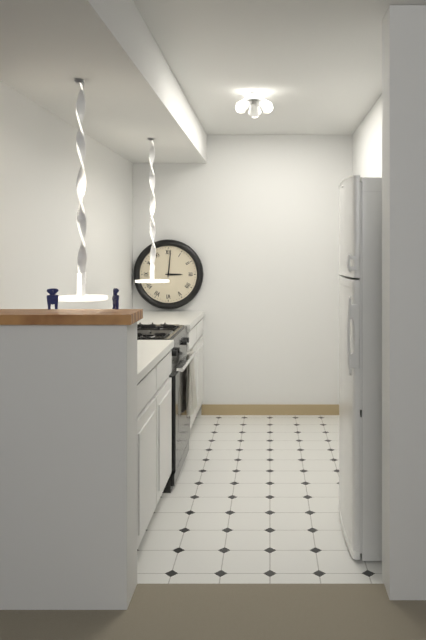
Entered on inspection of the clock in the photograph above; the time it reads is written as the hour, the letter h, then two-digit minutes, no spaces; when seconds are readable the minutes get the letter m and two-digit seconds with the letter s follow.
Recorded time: 3h01
